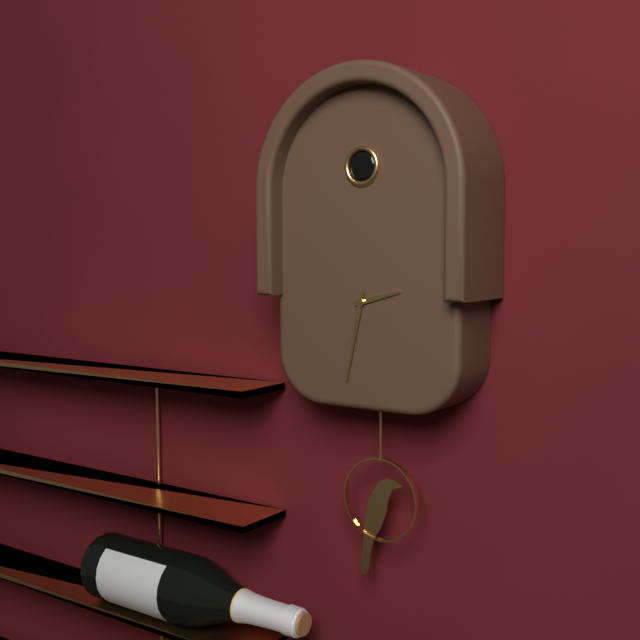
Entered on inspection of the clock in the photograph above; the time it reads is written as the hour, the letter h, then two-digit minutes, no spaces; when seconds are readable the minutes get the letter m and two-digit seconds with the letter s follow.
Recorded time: 2h32
